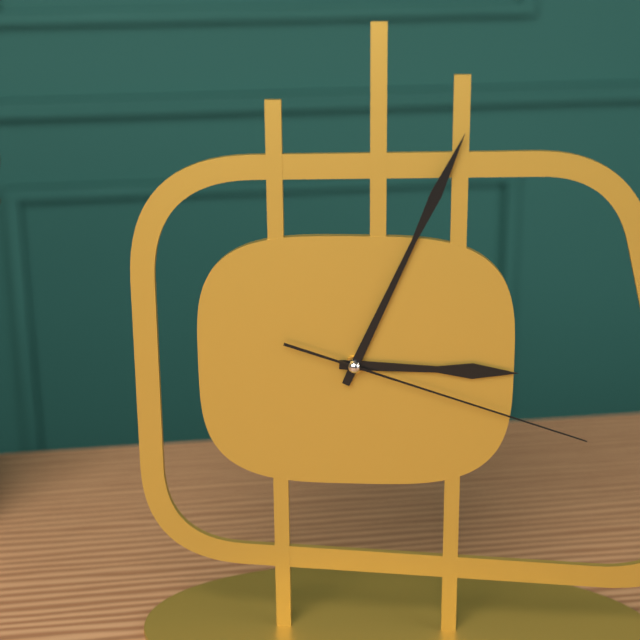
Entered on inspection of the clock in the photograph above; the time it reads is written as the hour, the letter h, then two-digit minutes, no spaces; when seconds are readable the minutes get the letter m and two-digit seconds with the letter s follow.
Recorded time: 3h04m18s
